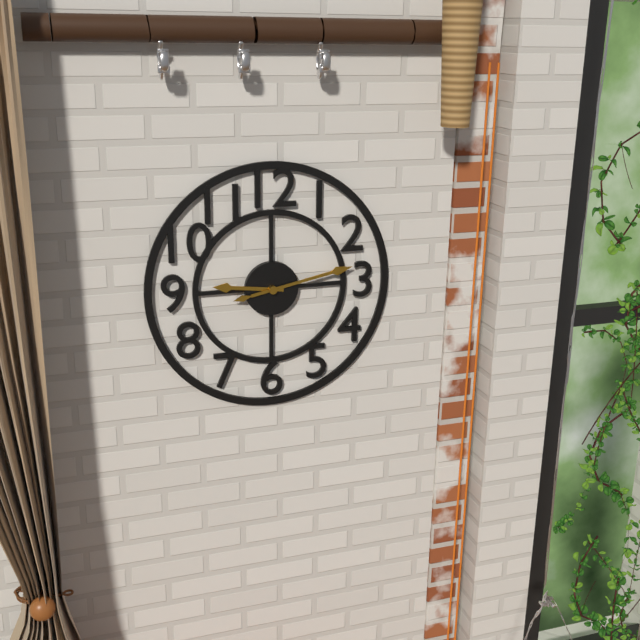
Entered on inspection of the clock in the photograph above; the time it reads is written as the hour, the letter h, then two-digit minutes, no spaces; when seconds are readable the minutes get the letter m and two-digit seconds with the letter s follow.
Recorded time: 9h13
